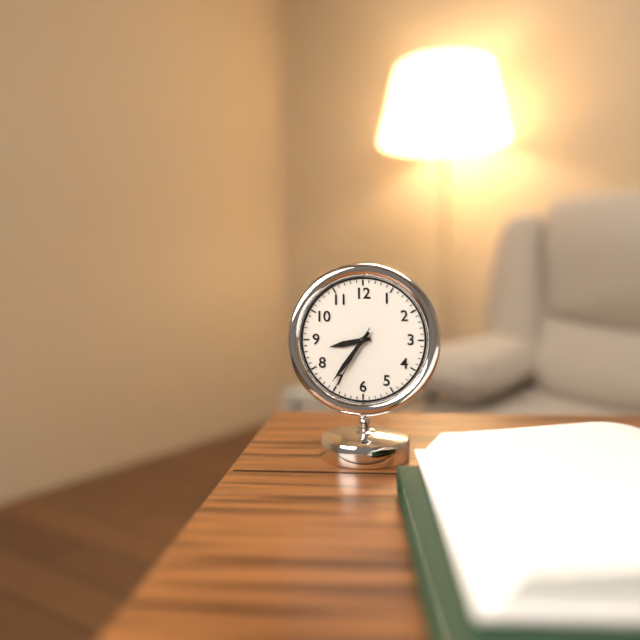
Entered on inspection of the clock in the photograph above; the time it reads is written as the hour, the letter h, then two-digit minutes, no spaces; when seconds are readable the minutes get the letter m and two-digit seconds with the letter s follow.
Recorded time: 8h36m35s
